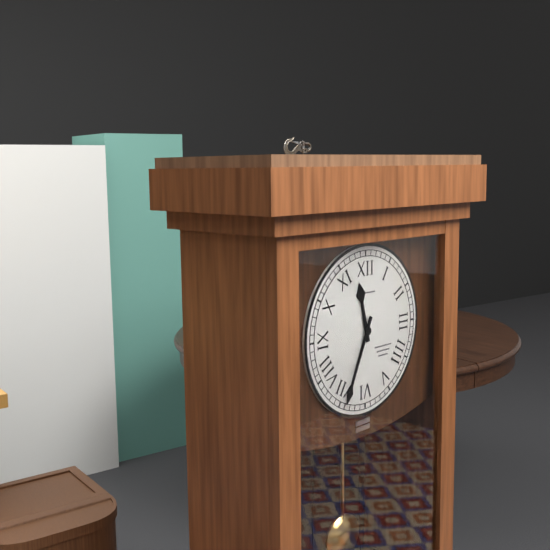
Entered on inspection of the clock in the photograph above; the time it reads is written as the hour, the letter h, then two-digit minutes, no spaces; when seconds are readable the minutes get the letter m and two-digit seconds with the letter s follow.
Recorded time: 11h34
